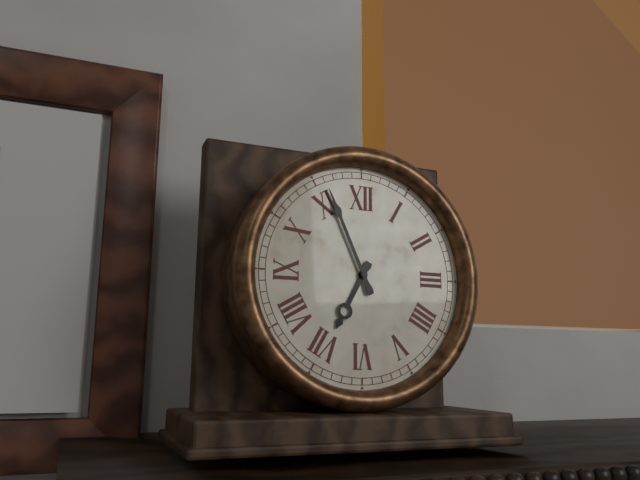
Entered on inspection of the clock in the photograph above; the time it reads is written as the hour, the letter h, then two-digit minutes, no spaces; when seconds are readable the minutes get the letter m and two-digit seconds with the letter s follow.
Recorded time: 6h56
